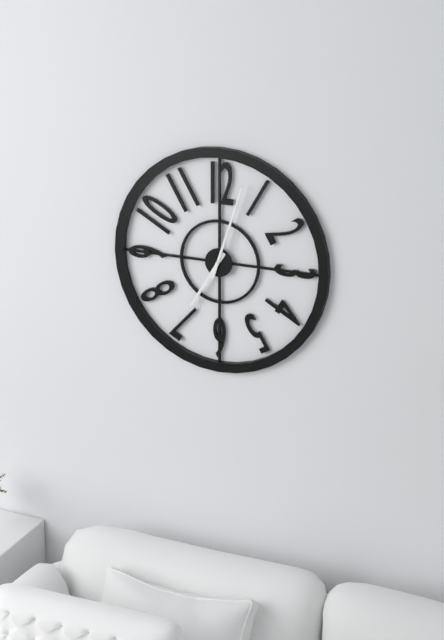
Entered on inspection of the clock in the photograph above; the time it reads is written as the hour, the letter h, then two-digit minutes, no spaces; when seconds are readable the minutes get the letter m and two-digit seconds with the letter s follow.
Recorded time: 7h03
